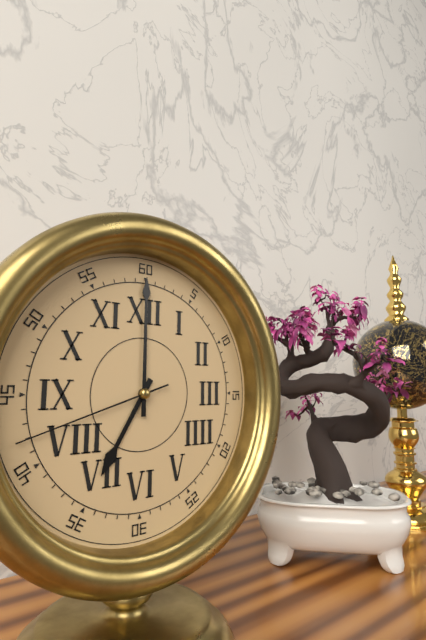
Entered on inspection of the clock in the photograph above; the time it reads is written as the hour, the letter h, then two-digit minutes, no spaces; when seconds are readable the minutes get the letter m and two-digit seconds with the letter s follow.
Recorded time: 7h00m42s
